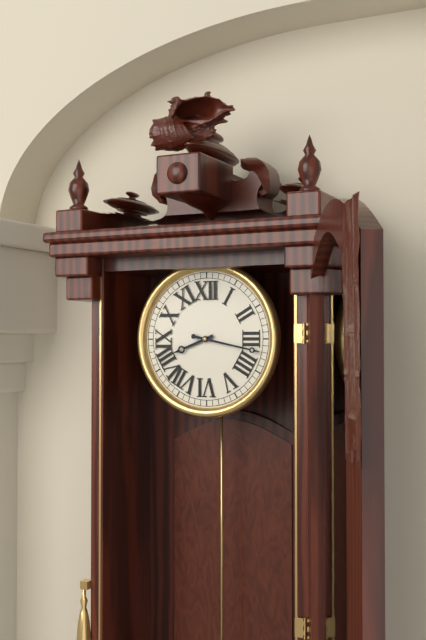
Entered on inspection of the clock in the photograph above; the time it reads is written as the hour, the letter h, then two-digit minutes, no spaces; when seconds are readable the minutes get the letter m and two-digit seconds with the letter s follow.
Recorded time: 8h17
